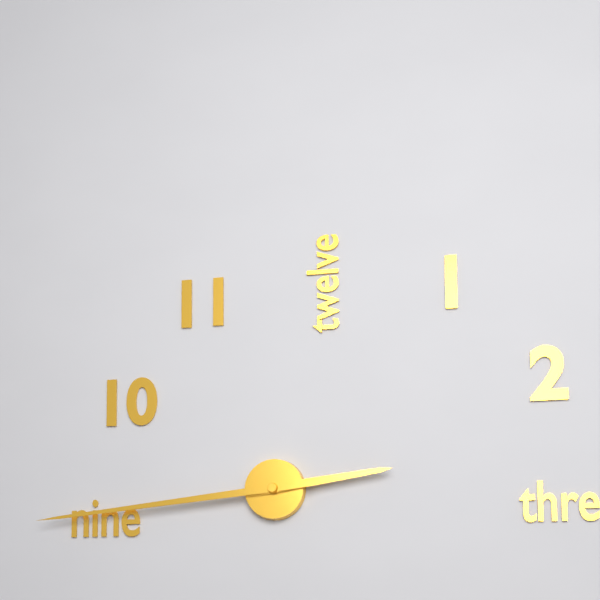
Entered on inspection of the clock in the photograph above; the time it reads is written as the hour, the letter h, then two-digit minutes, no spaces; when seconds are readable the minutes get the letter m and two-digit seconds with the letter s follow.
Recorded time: 2h44
